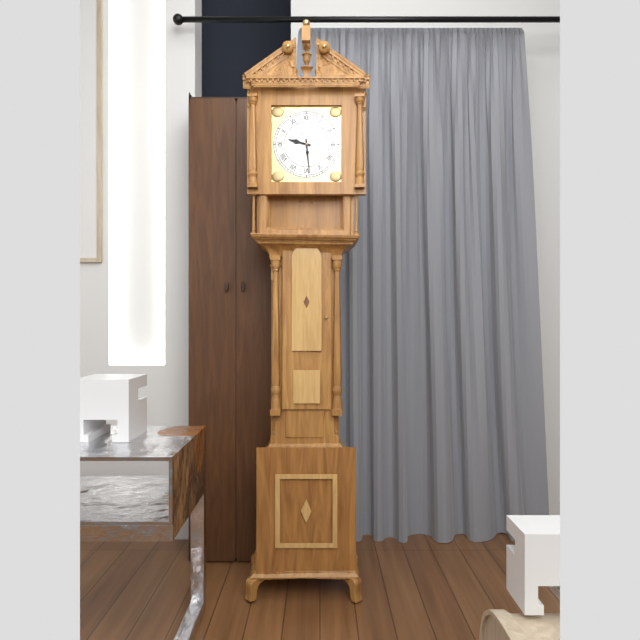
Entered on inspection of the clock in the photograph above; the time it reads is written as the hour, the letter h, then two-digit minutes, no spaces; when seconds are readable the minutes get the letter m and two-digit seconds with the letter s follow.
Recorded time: 9h29
